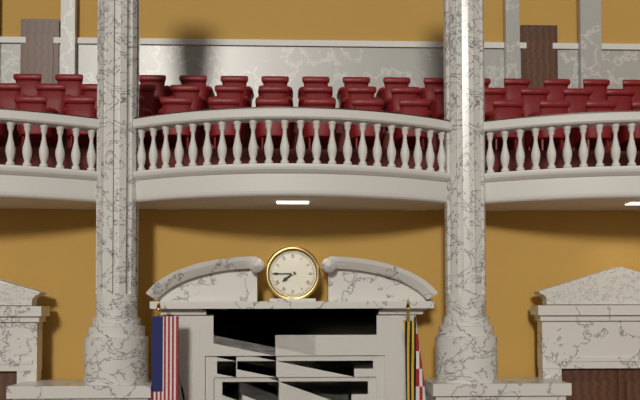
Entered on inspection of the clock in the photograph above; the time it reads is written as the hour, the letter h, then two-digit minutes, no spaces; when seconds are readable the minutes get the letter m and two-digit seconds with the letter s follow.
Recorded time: 7h45
